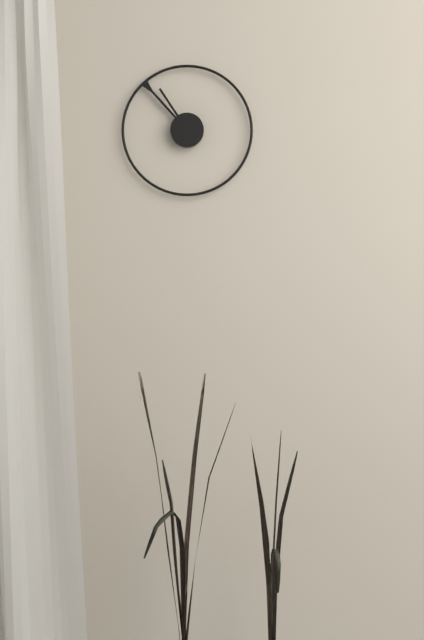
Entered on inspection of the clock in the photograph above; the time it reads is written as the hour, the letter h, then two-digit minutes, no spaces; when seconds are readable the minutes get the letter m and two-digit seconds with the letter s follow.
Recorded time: 10h53
